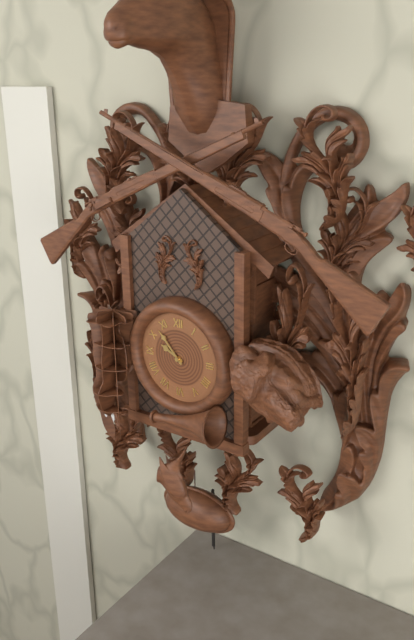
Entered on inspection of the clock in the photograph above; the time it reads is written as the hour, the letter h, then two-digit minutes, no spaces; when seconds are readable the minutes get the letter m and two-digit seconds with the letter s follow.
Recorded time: 9h53
